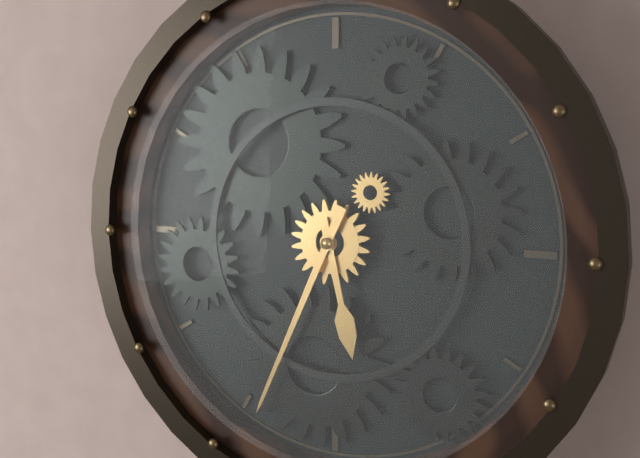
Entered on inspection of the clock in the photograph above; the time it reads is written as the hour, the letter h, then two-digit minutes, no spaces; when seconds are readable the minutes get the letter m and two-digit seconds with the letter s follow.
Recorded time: 5h34
